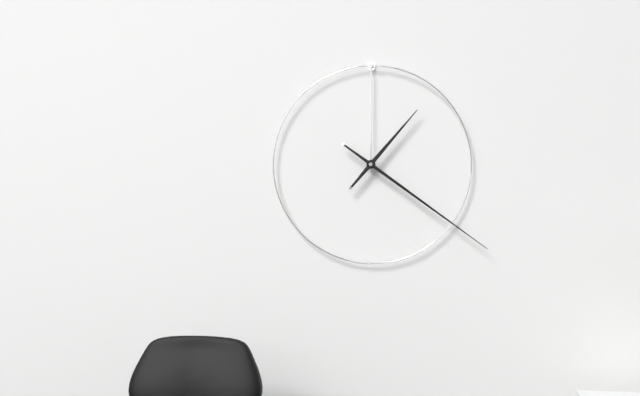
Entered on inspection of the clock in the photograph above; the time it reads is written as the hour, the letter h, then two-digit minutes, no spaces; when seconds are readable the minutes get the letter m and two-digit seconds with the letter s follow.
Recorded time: 1h21
